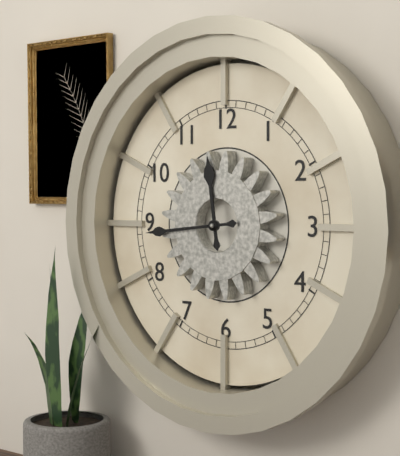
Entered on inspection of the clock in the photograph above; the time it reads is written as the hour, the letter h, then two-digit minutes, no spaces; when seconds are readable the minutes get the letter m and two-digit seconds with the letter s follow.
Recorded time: 11h44
